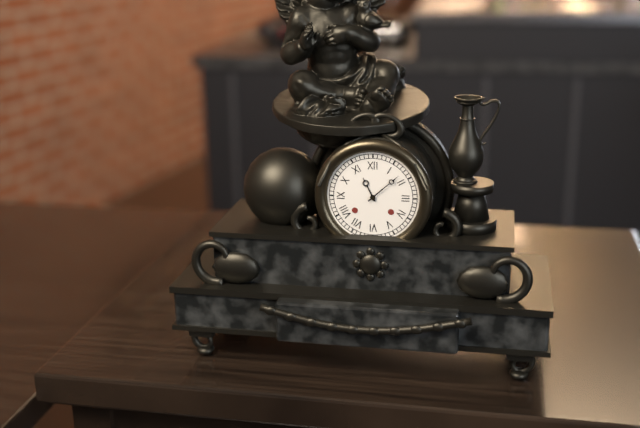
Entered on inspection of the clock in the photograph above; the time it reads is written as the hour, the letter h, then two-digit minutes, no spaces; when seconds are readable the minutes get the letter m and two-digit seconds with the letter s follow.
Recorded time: 11h08
